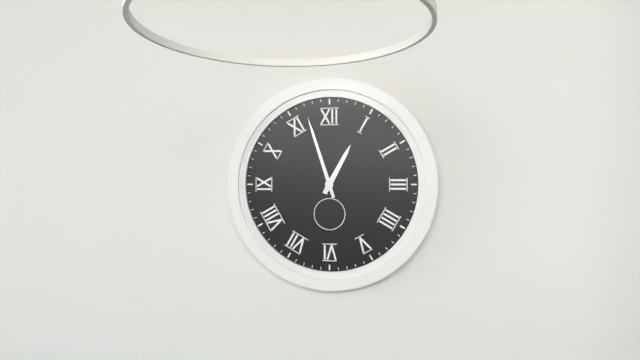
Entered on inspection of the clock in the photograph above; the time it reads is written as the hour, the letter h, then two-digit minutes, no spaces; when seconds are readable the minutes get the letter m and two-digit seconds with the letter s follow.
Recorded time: 12h57
